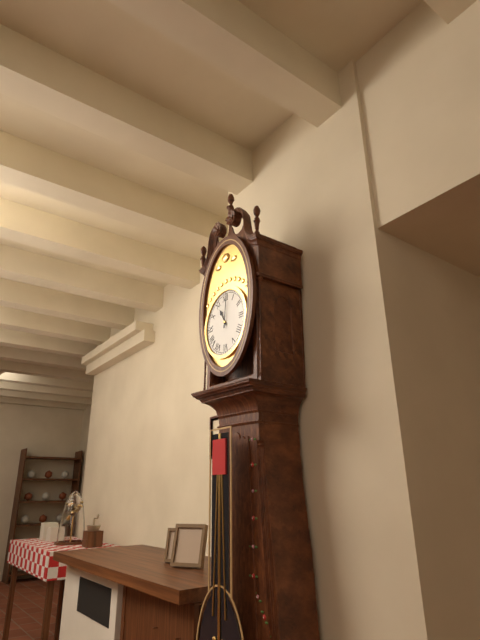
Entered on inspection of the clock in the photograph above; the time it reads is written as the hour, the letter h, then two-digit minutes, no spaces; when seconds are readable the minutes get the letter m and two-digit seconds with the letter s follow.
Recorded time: 11h01
